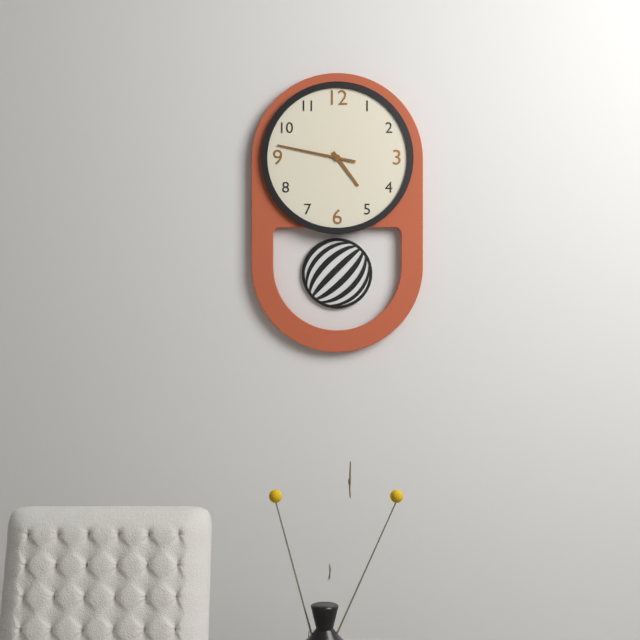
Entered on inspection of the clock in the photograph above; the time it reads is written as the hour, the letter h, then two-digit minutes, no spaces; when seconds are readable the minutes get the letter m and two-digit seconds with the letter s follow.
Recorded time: 4h47
